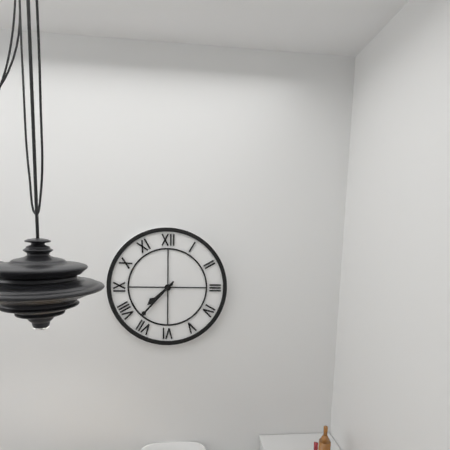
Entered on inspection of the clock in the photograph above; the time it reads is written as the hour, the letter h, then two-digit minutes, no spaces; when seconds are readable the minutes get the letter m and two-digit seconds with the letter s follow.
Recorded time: 7h37
